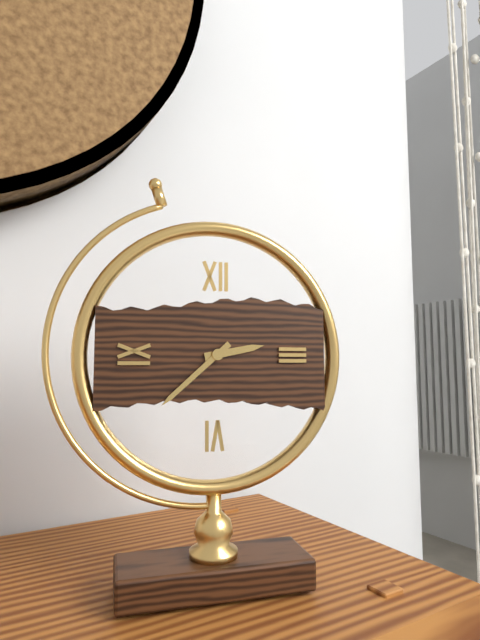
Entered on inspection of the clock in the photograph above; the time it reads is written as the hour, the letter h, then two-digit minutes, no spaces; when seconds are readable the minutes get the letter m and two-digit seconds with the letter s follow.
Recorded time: 2h38
